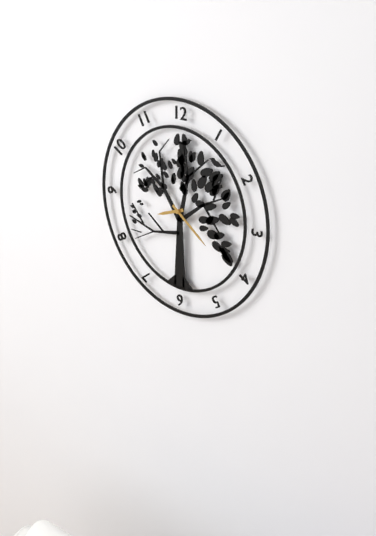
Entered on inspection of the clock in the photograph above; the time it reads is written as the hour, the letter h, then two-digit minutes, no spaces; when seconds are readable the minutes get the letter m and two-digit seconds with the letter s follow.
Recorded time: 8h21
